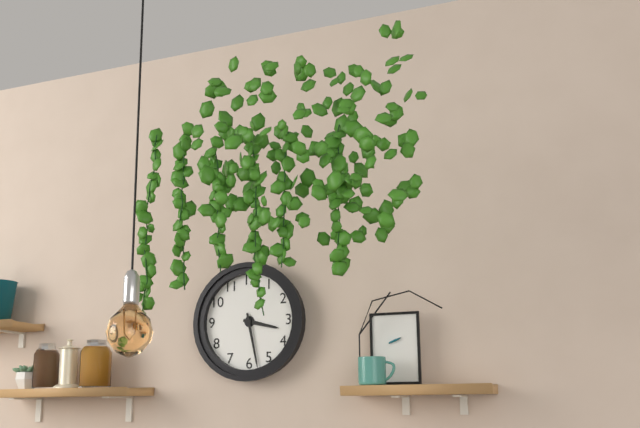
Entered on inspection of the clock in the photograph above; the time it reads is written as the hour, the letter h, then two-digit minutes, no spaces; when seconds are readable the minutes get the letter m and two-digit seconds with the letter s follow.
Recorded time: 3h28
